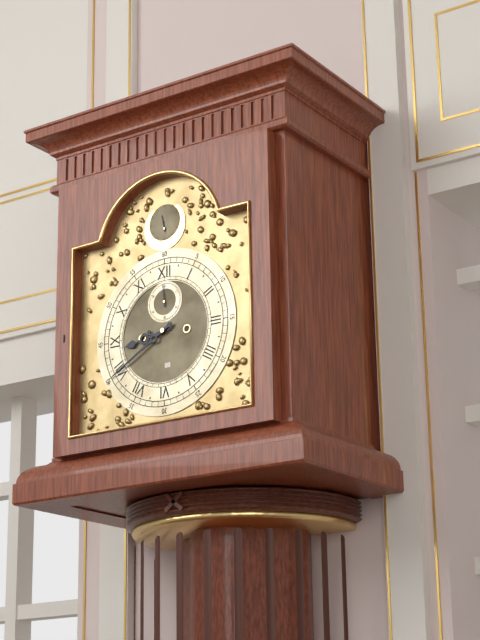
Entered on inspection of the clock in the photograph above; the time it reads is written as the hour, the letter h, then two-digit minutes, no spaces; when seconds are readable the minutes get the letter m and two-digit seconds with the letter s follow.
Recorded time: 8h40
